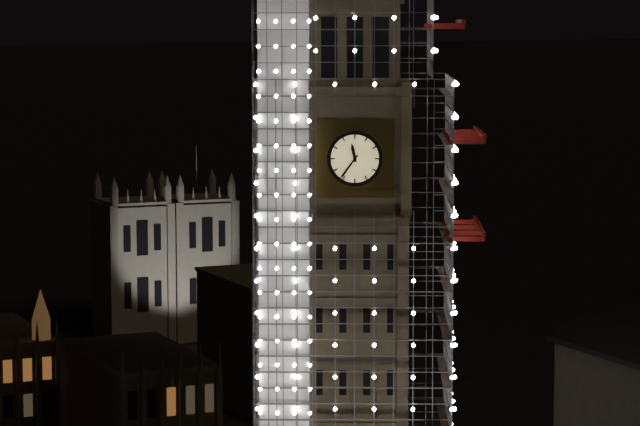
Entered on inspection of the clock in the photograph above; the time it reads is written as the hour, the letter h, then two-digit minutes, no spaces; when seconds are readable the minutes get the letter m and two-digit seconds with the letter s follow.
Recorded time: 11h36
